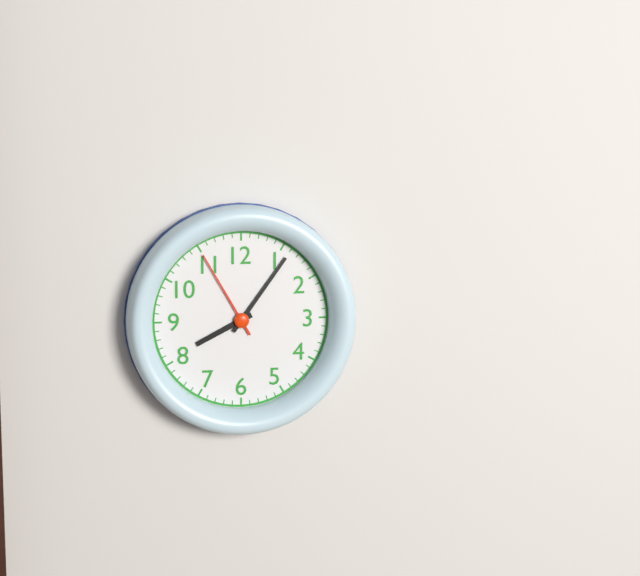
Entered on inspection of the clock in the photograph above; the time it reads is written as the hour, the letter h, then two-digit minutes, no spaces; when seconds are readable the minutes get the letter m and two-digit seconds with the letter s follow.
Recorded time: 8h06m55s
